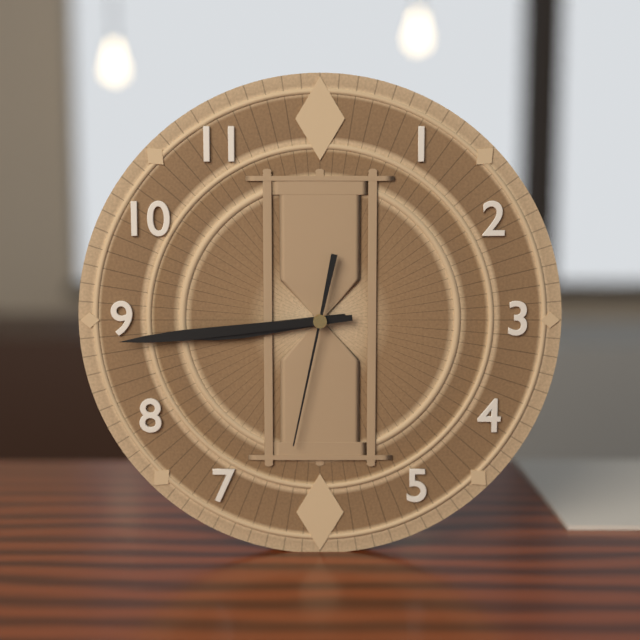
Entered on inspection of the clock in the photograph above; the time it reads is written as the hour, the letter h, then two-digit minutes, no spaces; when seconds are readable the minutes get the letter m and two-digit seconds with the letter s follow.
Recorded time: 8h44m32s
